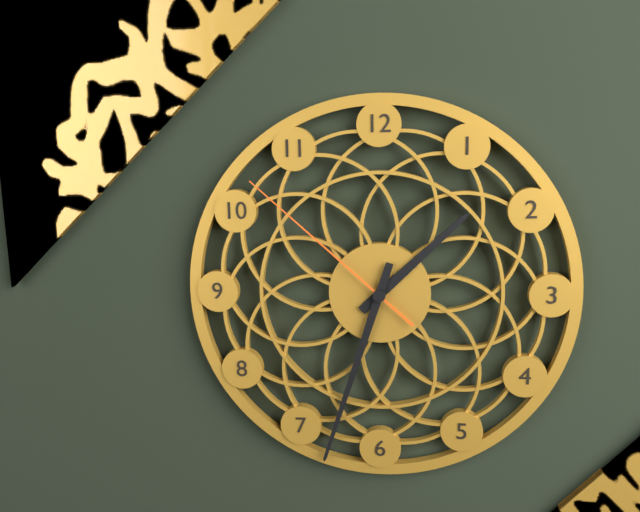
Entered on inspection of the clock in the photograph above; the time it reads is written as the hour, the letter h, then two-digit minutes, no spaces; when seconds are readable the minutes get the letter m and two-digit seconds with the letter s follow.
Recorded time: 1h33m52s
